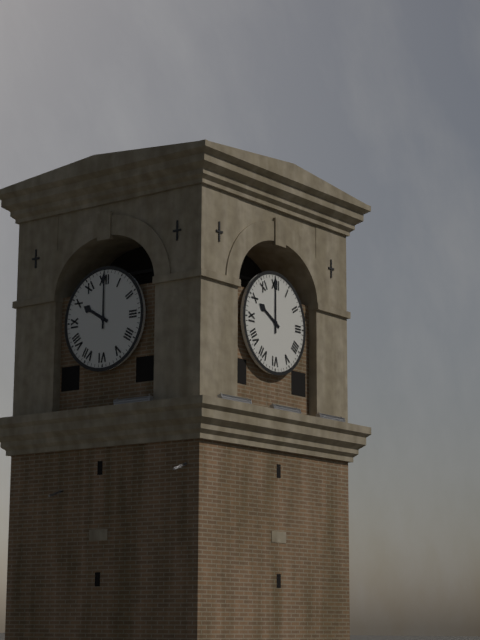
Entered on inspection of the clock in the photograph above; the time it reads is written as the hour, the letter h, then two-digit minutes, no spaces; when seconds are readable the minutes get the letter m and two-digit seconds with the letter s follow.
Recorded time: 10h00
